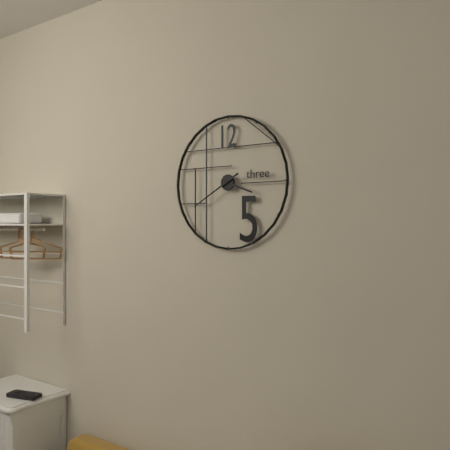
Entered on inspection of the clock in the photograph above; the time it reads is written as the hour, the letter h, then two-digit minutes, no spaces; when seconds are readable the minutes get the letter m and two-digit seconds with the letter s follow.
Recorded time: 3h40
